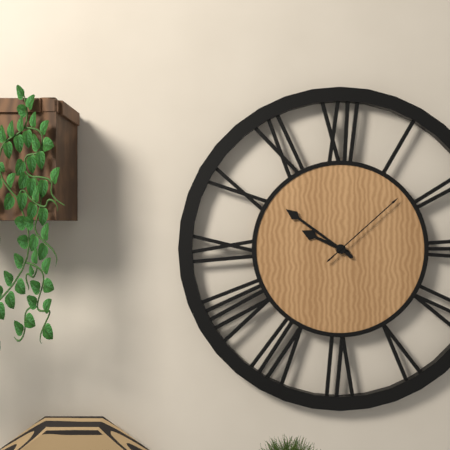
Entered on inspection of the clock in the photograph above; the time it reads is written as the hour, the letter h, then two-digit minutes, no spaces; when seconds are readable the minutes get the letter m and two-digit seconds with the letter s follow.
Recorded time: 9h51m08s
